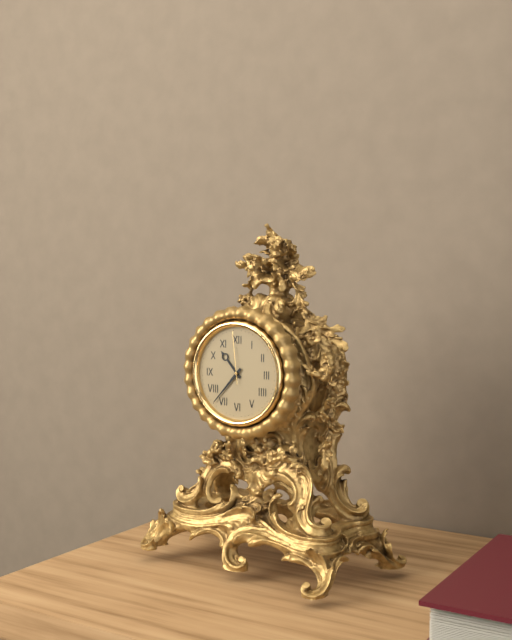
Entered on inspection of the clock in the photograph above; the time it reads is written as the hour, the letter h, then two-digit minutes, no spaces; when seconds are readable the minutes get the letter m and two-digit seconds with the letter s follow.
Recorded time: 10h37m59s
